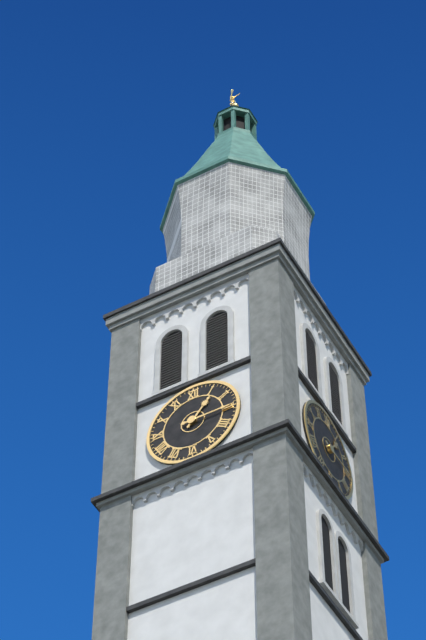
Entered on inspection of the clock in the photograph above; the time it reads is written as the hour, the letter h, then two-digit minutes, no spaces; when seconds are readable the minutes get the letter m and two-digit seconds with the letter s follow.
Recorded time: 1h15
